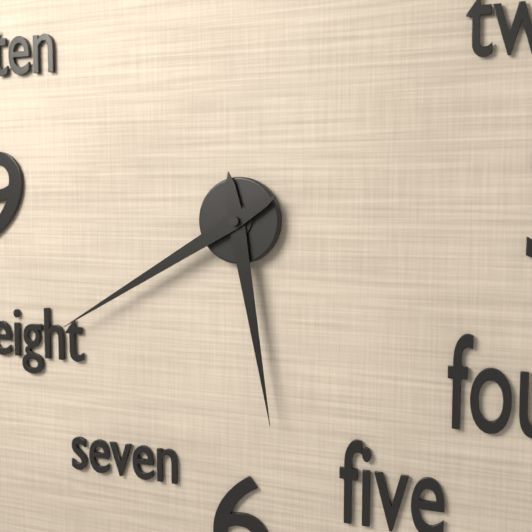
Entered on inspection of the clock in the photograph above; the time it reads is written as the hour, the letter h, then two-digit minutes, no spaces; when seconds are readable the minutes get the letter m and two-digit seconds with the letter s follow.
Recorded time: 5h40
